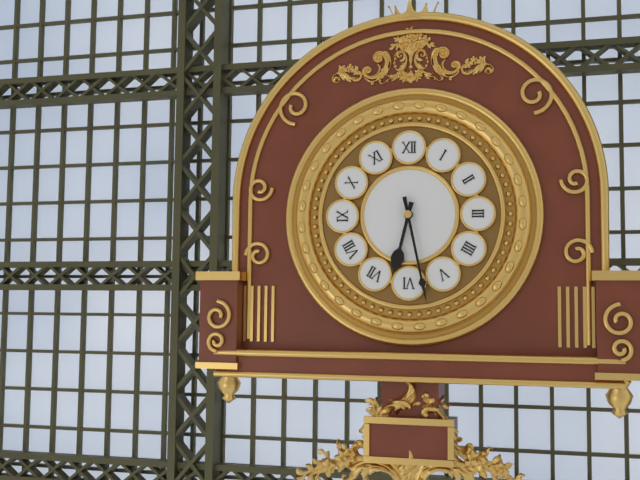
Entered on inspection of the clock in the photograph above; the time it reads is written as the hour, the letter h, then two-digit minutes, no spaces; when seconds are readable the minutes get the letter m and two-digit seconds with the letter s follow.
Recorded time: 6h28
